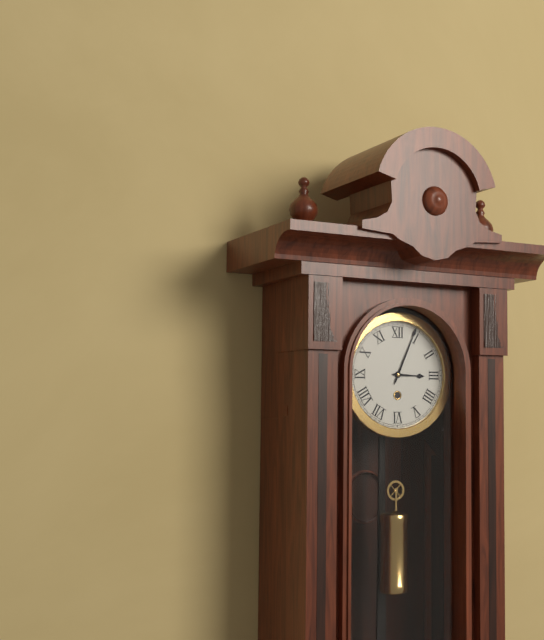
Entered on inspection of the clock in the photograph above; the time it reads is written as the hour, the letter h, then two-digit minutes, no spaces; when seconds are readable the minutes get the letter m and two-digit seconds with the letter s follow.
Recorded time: 3h04
